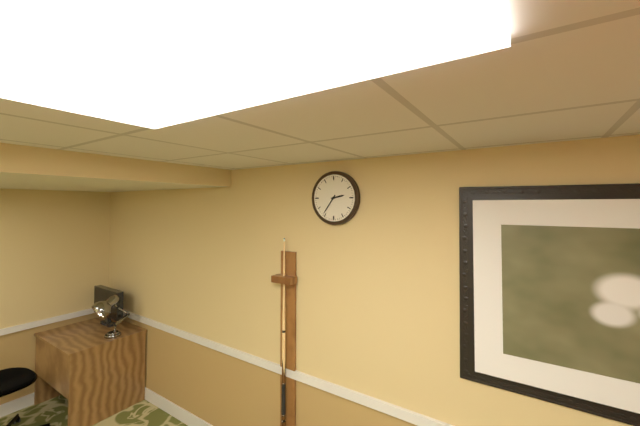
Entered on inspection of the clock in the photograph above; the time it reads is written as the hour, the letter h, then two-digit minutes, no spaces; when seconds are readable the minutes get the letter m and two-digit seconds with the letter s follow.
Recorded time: 2h36
